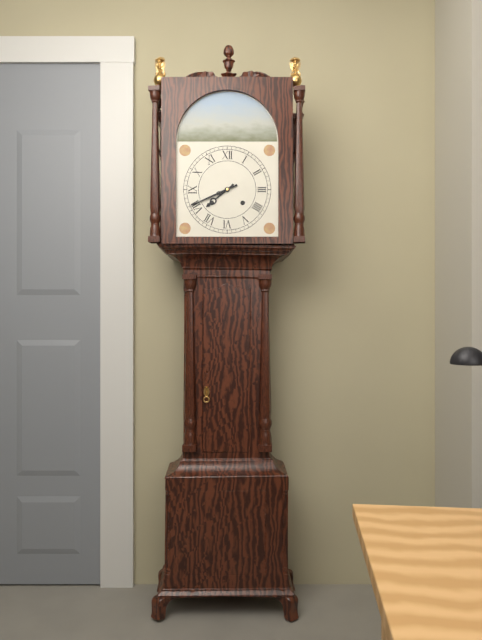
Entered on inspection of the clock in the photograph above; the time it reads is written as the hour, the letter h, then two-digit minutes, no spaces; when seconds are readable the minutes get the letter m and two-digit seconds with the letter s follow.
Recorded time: 7h41
